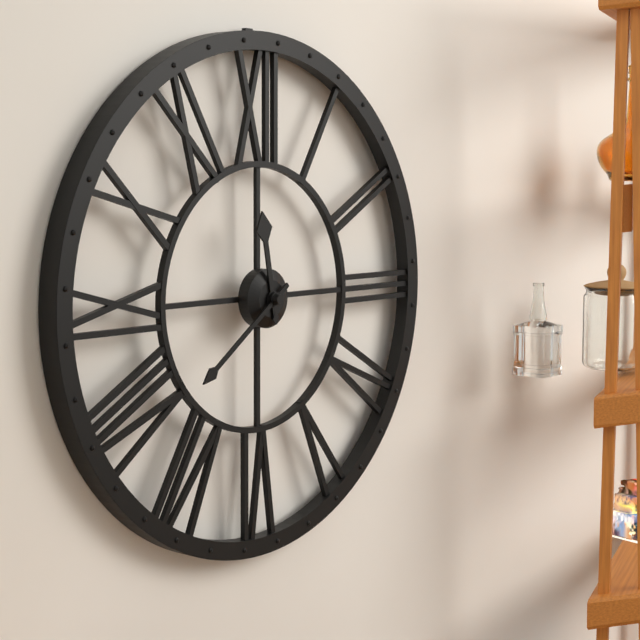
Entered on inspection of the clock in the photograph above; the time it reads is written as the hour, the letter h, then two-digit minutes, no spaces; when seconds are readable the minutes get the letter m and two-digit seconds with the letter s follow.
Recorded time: 11h39
